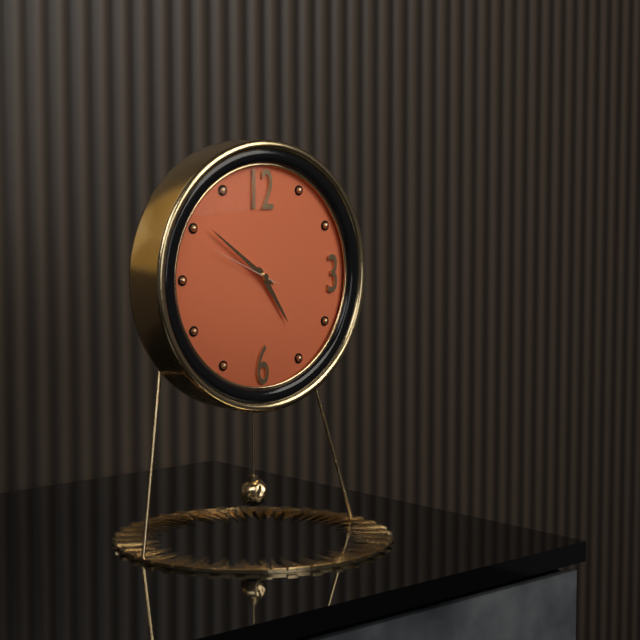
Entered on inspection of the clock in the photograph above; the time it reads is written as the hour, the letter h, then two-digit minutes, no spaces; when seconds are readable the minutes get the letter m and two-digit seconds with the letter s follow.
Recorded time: 4h51m49s
